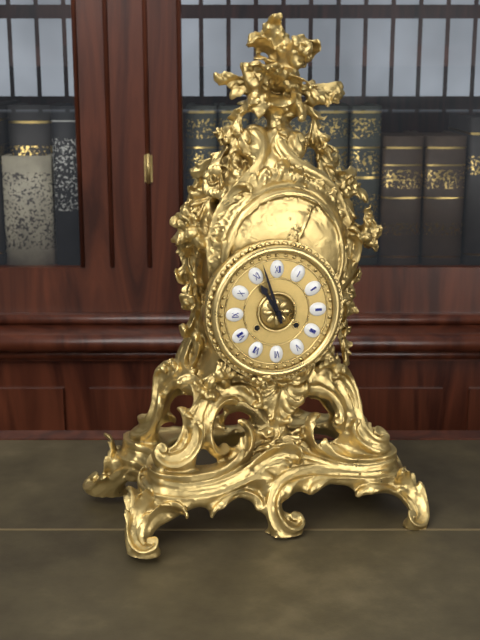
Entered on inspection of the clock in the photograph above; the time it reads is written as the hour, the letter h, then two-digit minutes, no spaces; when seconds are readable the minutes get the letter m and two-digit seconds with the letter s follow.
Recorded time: 10h57
